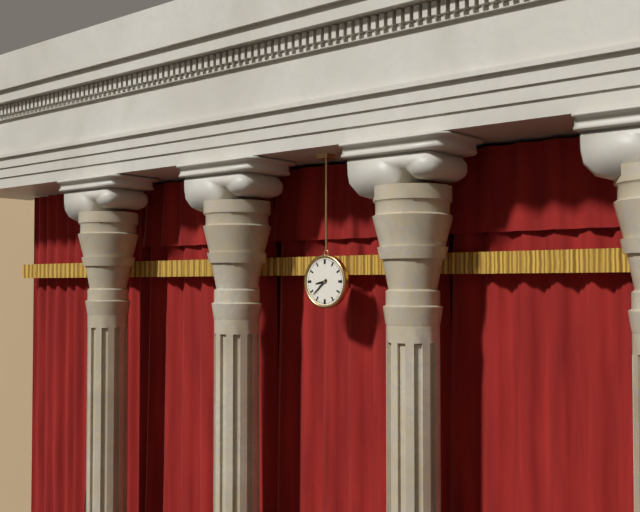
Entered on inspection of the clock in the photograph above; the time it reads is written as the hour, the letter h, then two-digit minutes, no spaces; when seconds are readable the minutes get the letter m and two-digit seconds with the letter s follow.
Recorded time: 8h38
